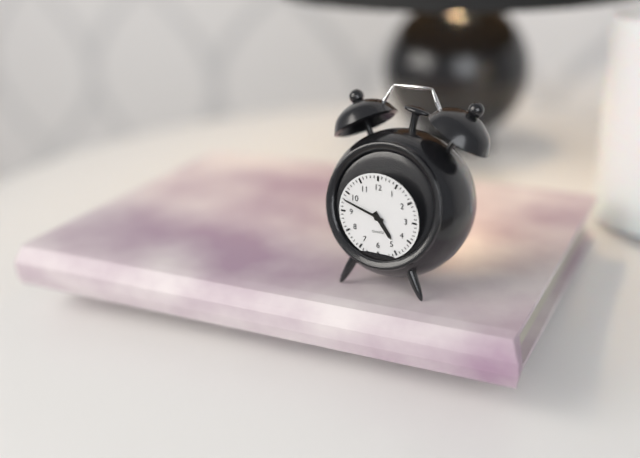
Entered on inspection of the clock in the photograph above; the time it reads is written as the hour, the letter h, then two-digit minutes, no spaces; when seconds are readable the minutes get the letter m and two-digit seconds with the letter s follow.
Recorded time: 4h48
